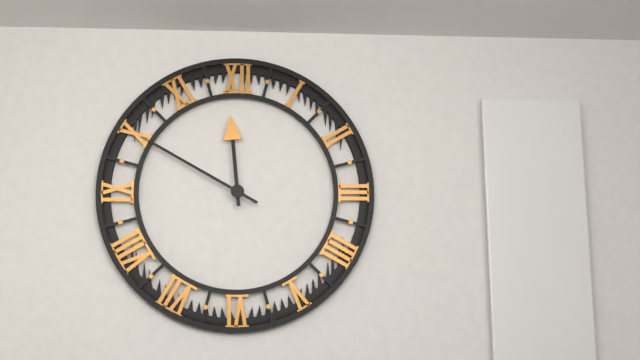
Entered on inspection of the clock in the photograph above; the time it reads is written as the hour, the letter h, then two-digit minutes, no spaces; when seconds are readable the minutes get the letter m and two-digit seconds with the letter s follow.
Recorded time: 11h50
